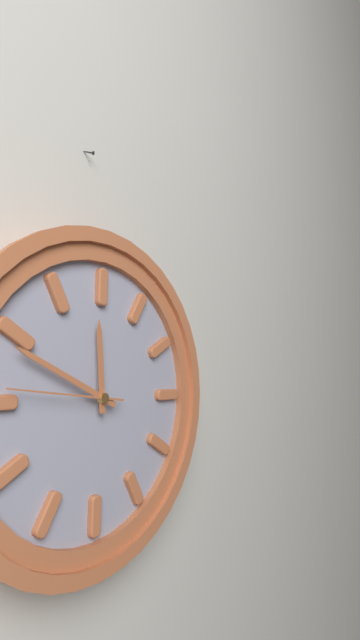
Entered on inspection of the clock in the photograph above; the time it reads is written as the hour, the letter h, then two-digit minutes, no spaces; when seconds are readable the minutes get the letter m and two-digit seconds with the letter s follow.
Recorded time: 11h49m46s
